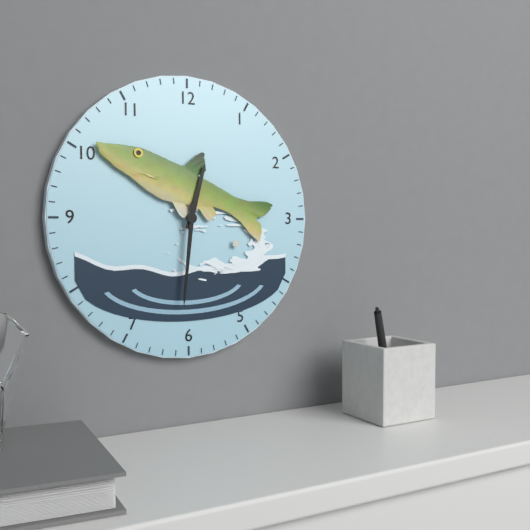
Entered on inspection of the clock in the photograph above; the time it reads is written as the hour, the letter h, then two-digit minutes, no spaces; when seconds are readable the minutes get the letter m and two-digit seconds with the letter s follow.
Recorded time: 12h31
